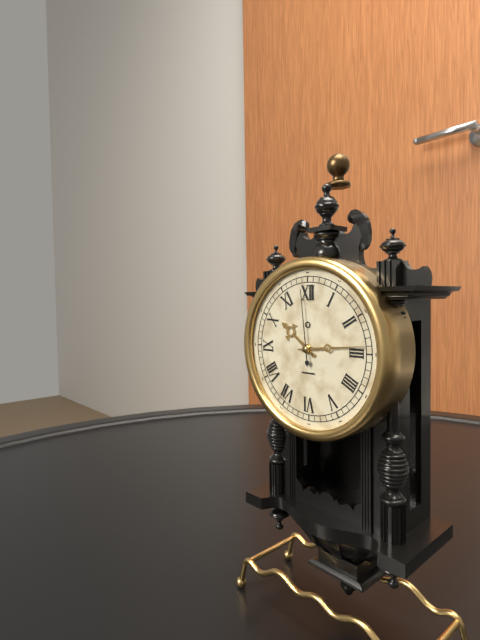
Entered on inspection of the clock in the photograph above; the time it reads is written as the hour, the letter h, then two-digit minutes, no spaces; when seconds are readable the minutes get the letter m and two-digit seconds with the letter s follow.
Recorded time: 10h14m59s
